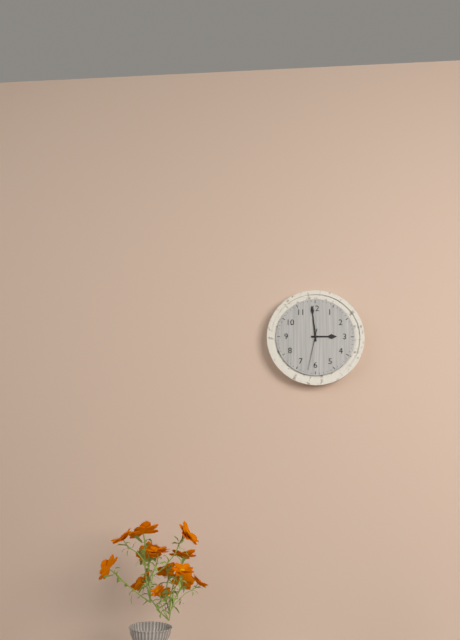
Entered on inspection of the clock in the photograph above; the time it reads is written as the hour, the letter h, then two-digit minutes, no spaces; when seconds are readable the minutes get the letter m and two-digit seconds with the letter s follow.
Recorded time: 2h59
